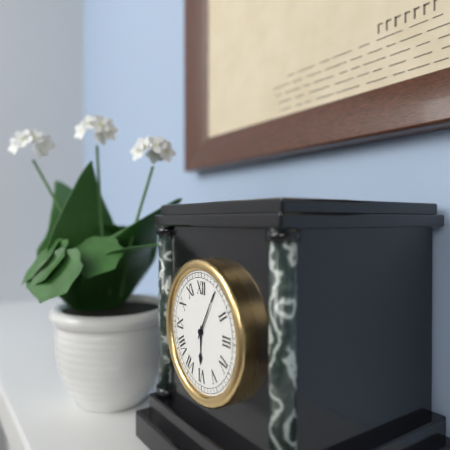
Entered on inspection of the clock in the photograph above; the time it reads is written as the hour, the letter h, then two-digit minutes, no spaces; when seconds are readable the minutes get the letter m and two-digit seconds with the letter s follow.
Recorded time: 6h05
